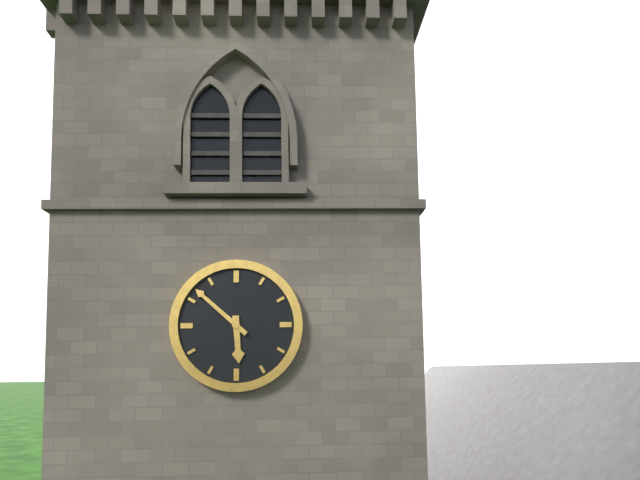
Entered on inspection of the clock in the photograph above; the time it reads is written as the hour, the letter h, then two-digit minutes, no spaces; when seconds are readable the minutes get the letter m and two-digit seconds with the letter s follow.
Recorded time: 5h52
